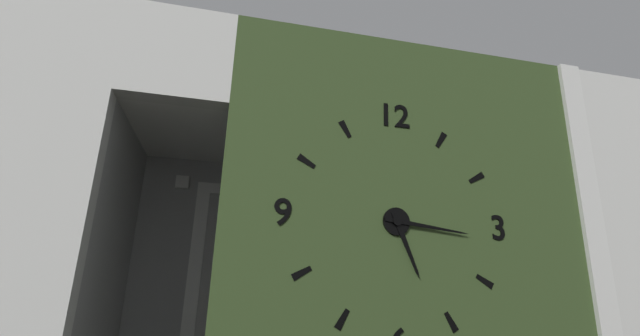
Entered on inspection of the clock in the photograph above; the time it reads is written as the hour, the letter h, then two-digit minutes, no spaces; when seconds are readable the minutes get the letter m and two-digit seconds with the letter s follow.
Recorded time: 5h16
